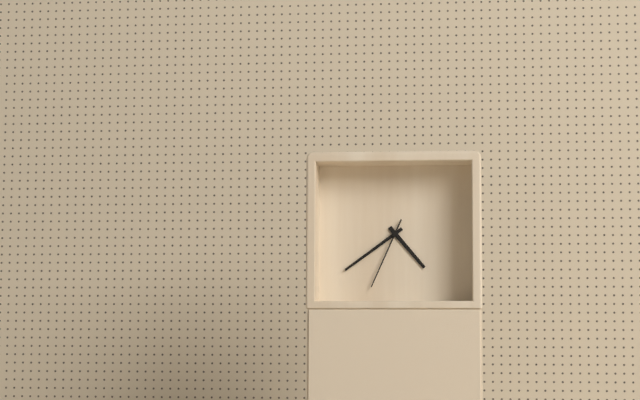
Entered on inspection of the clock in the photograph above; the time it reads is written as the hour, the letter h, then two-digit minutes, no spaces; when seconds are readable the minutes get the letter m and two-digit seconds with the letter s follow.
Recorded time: 4h39m34s
